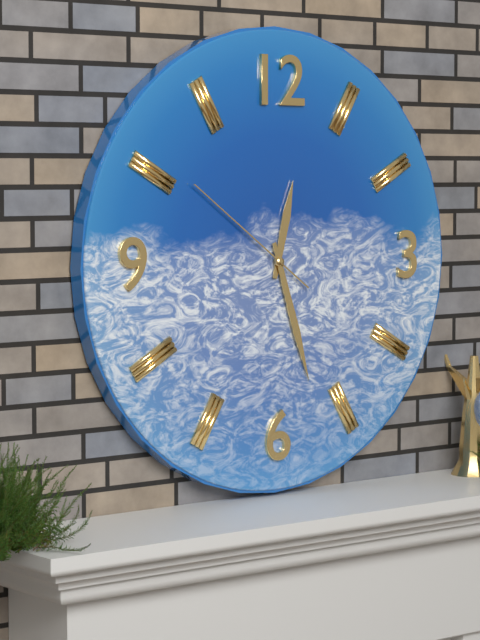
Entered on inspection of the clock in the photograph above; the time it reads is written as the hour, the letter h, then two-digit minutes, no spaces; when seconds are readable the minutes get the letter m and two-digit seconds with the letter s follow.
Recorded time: 12h27m51s
